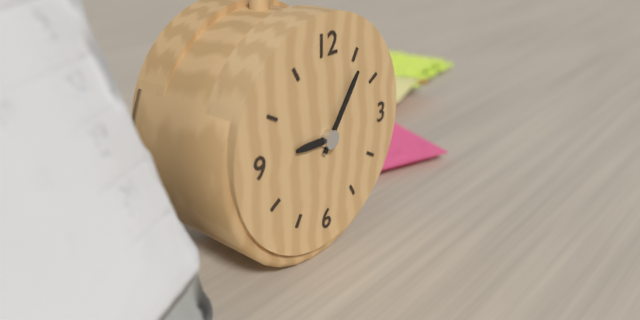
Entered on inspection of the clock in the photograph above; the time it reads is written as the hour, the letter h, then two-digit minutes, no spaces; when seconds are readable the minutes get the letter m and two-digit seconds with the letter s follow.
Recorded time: 9h06
